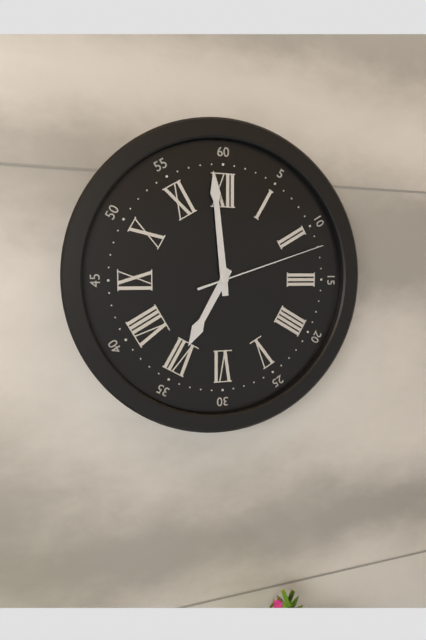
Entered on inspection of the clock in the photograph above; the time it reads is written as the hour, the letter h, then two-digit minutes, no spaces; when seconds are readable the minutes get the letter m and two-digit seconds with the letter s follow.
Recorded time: 6h59m12s
